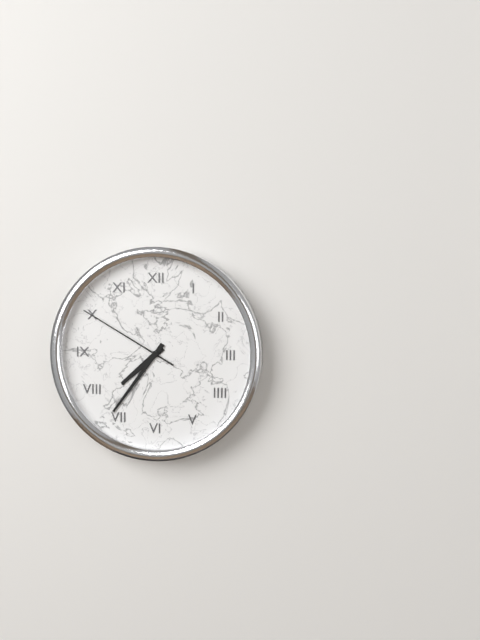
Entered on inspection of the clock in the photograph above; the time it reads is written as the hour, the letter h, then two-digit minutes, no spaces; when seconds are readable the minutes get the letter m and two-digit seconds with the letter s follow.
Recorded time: 7h36m50s
